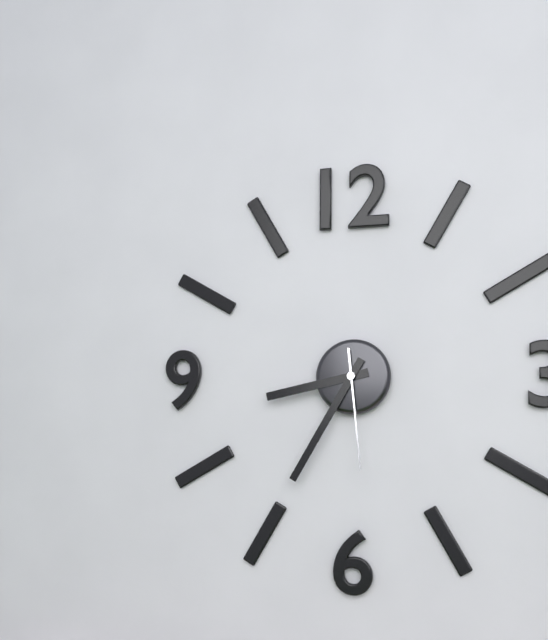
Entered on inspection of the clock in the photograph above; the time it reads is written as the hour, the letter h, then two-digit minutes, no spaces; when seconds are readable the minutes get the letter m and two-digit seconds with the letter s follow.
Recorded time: 8h35m29s
